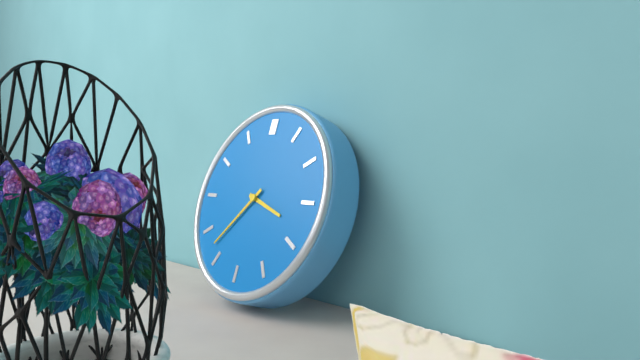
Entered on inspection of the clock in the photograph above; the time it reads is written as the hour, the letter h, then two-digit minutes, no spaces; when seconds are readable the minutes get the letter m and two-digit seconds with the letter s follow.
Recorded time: 3h37
